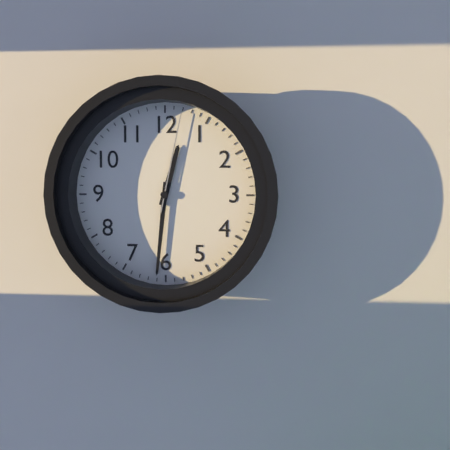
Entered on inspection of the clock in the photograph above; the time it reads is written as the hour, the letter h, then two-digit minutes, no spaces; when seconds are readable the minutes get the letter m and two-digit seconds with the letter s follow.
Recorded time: 12h31m02s
